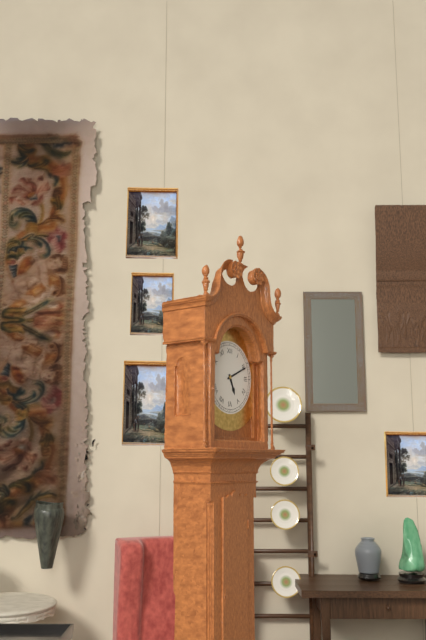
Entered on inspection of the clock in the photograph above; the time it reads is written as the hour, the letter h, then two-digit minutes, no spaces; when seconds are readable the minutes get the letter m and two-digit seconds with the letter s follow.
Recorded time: 5h11
